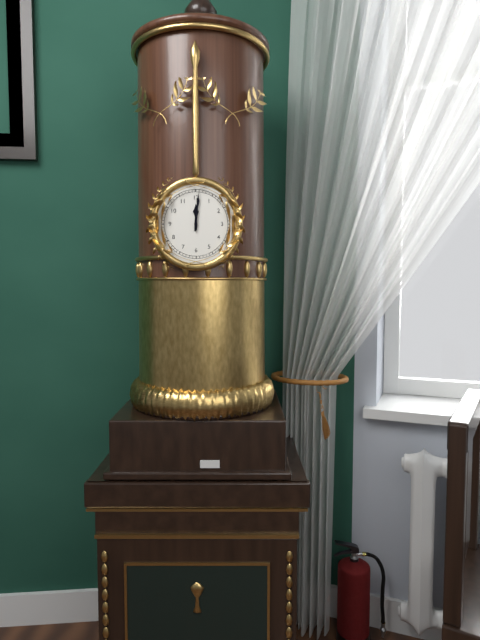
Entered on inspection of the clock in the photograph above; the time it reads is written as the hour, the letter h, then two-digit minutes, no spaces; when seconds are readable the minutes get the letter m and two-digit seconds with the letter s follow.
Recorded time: 12h01
